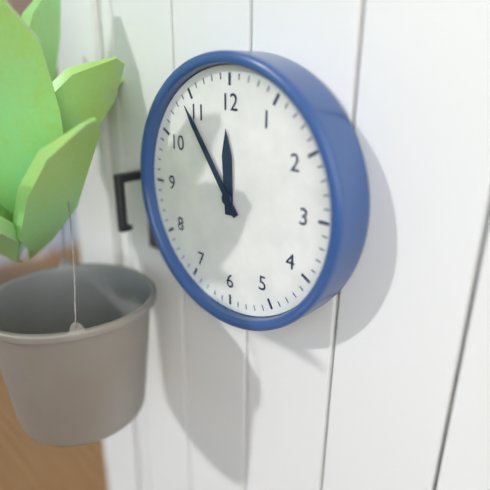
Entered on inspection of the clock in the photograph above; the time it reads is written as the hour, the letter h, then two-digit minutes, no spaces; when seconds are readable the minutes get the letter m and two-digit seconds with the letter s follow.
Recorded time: 11h54
